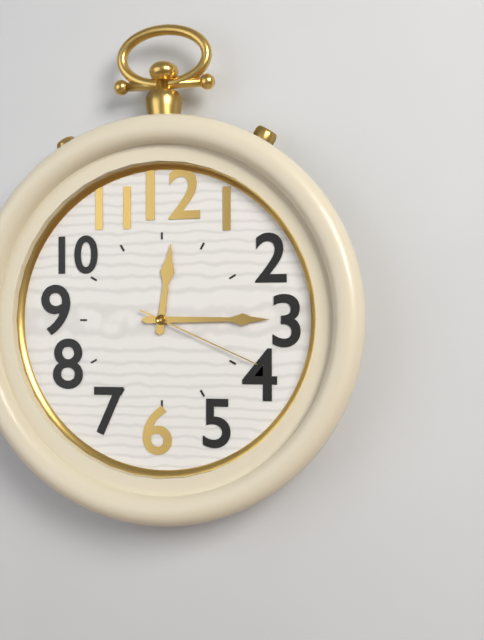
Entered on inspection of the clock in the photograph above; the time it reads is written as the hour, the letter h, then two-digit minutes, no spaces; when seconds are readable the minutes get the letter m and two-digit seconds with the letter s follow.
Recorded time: 12h15m19s
